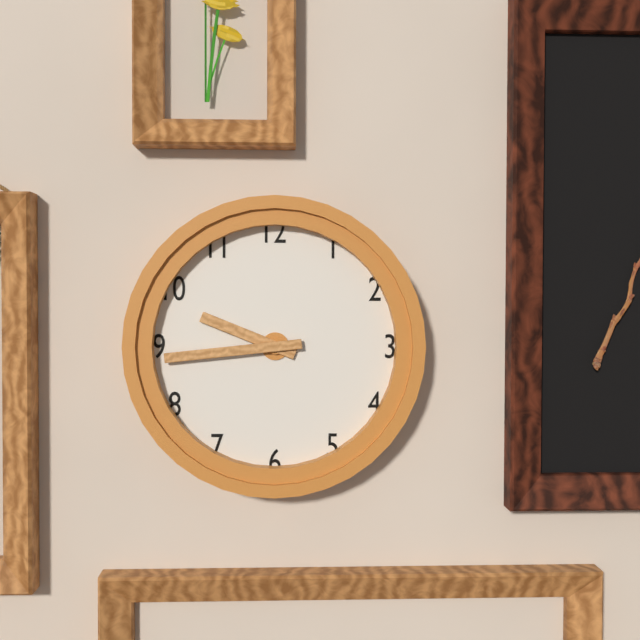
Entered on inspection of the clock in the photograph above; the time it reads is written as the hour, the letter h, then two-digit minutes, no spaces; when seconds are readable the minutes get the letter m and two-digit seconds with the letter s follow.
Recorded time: 9h44
